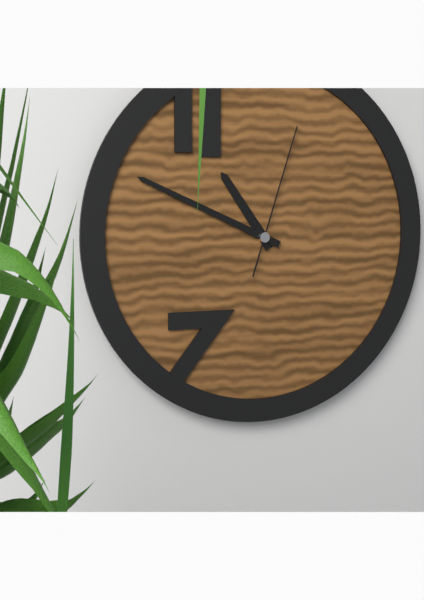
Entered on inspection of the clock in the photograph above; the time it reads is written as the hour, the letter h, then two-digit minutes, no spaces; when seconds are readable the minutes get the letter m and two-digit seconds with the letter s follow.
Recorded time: 10h49m03s
